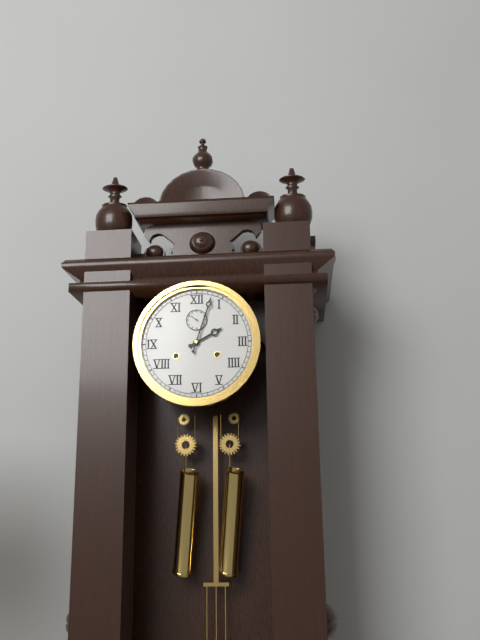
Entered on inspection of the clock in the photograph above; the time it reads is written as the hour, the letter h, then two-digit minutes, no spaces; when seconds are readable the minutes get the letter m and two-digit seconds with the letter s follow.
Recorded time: 2h03
